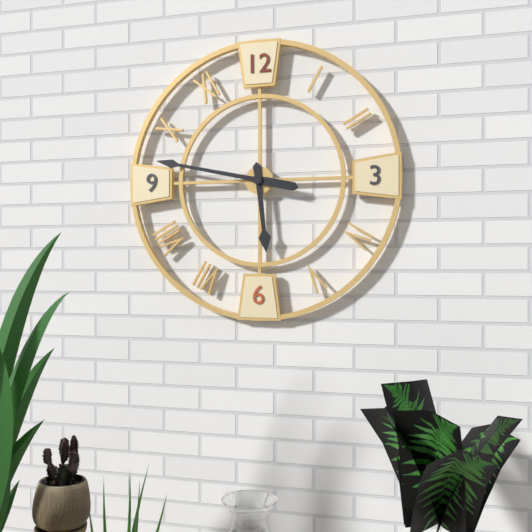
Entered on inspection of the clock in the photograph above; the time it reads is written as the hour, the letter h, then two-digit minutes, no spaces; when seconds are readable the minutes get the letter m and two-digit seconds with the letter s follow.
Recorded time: 5h47
